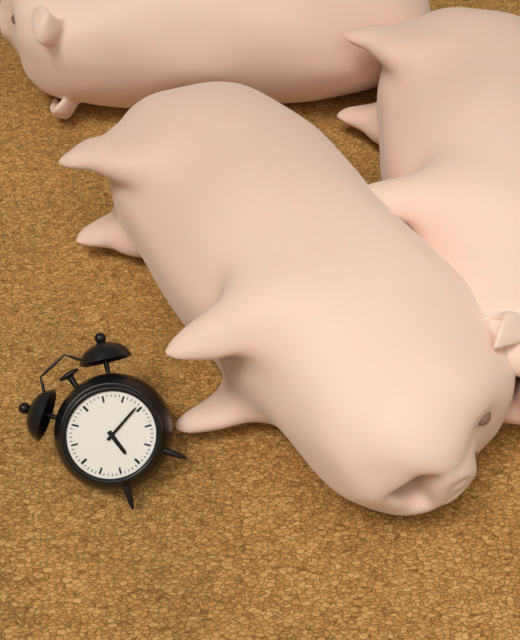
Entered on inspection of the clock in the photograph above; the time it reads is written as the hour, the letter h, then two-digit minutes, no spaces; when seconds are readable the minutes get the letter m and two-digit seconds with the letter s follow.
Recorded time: 6h14
